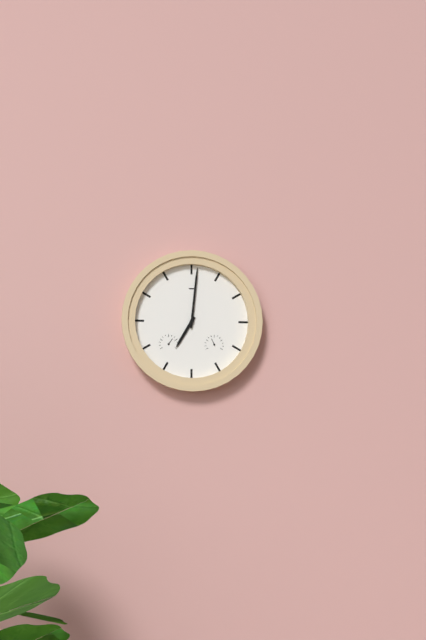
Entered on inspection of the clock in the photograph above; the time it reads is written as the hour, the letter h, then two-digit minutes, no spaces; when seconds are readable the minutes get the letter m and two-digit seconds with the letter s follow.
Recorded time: 7h01
